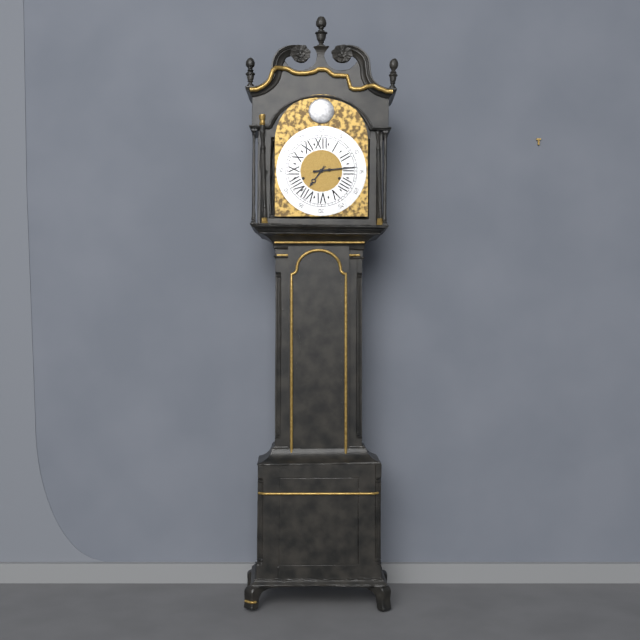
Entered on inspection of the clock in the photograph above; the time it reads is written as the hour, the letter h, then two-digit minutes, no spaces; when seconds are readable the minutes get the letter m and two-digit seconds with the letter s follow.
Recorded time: 7h14
